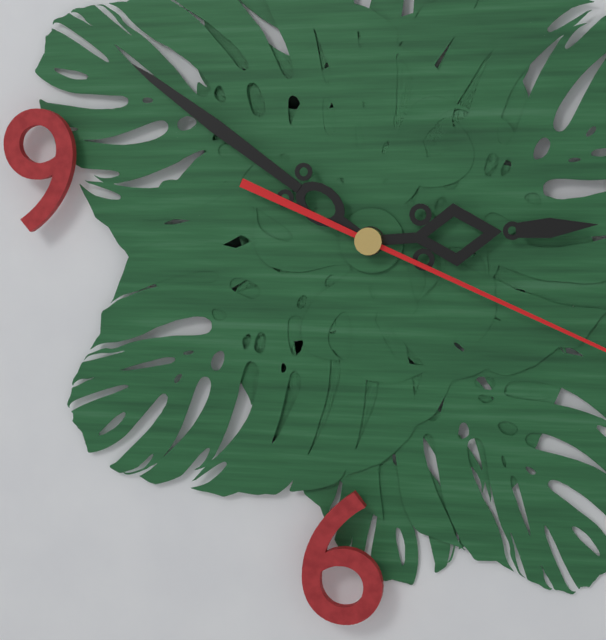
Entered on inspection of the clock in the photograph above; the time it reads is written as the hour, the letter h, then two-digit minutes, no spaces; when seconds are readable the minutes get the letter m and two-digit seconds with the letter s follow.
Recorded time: 2h51
